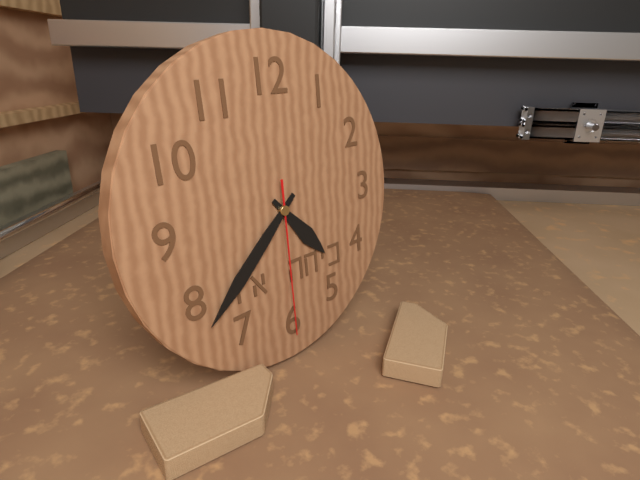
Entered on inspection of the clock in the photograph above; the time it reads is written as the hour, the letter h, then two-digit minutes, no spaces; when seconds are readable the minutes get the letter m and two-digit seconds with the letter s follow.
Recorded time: 4h38m30s
